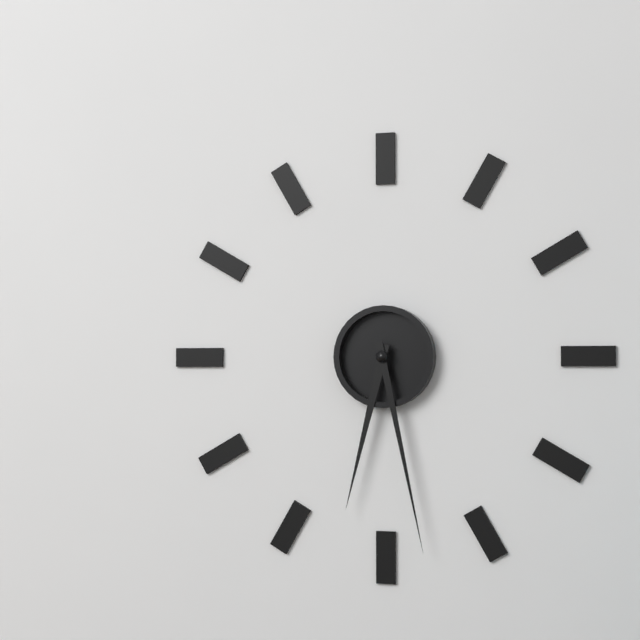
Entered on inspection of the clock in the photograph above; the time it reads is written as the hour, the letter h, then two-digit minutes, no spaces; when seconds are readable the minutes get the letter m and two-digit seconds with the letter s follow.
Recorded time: 6h28
